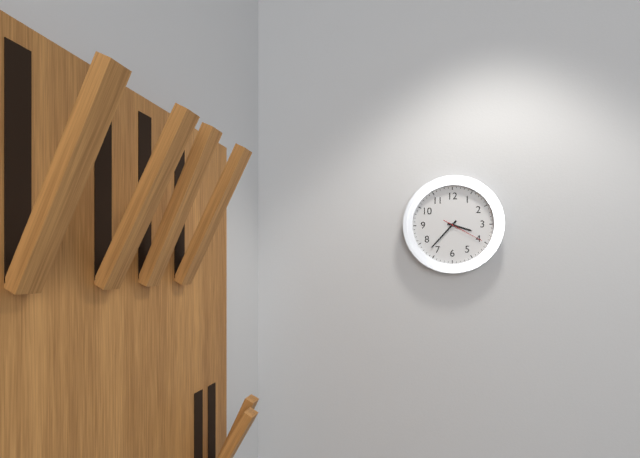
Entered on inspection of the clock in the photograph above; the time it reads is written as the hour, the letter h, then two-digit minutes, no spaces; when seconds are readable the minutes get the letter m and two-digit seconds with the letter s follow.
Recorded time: 3h37
